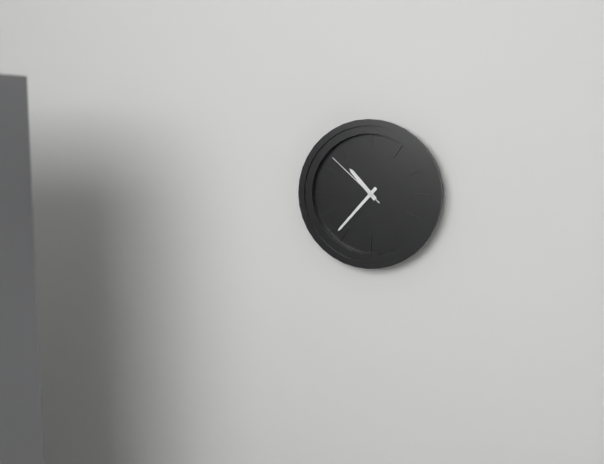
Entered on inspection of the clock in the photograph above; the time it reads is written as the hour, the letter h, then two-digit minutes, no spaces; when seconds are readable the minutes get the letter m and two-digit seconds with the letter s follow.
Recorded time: 10h37m52s
